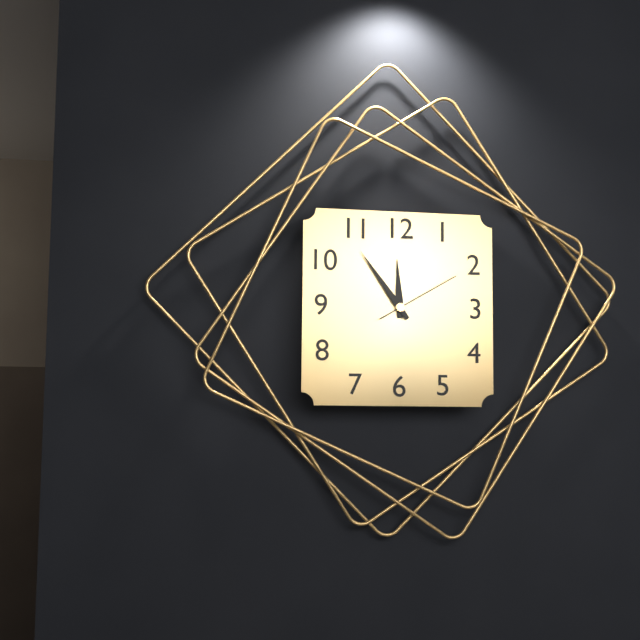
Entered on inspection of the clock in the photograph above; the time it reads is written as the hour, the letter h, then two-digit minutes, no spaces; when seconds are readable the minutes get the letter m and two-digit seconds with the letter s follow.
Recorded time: 11h54m10s
